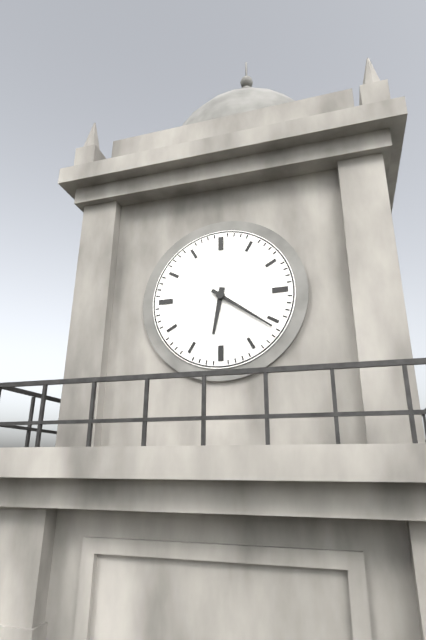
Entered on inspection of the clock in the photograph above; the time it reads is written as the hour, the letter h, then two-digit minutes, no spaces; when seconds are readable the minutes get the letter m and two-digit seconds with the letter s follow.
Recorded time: 6h21
